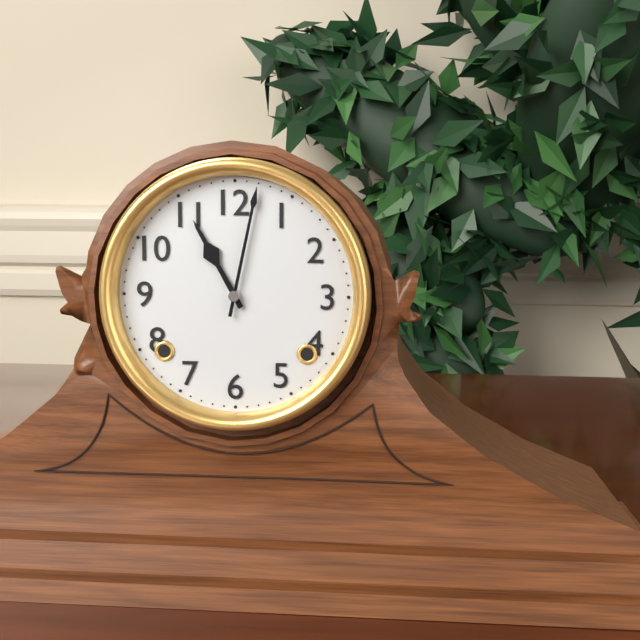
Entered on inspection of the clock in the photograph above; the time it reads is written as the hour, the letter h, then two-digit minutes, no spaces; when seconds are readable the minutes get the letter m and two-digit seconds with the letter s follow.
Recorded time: 11h02
